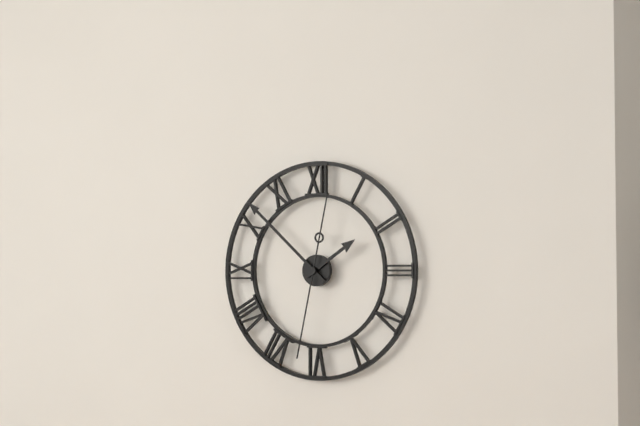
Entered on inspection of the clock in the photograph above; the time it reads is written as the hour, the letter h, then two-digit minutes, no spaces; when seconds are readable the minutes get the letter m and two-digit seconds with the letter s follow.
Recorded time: 1h52m32s
